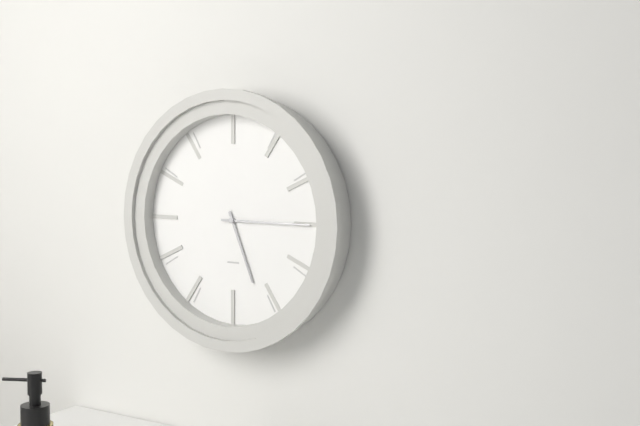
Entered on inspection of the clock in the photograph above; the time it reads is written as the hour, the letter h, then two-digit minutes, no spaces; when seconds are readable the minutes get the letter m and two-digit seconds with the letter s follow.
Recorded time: 5h15
